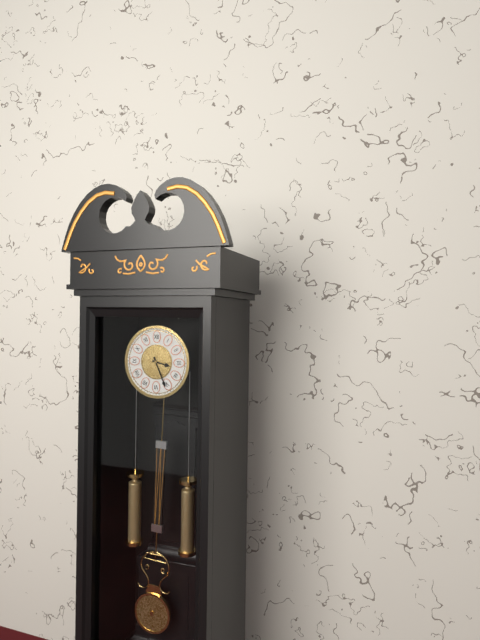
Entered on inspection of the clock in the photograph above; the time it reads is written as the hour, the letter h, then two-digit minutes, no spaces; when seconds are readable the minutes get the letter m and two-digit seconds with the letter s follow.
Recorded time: 3h26
